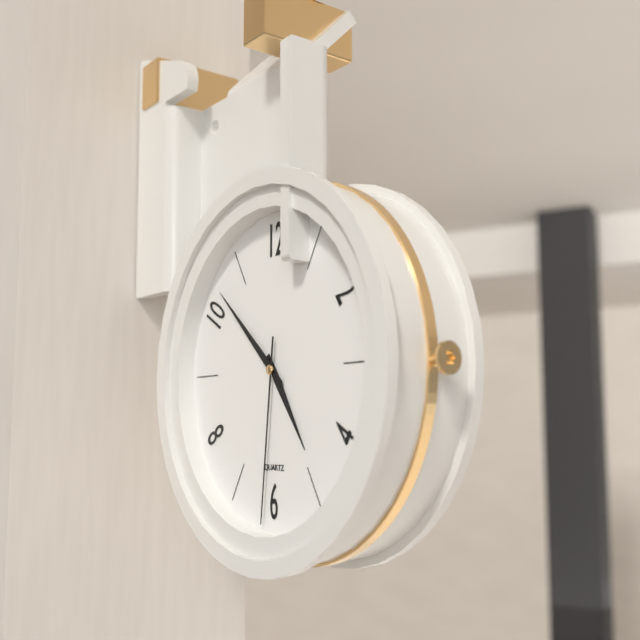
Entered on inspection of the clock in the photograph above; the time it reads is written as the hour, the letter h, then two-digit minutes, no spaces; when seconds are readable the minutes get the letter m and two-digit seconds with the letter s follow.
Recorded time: 4h52m31s
